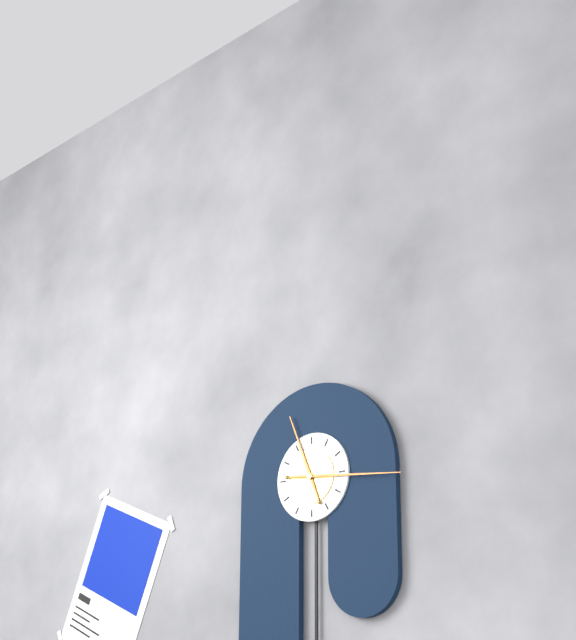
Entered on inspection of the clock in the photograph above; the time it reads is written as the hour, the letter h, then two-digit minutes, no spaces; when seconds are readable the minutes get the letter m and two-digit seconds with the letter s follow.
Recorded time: 11h16
